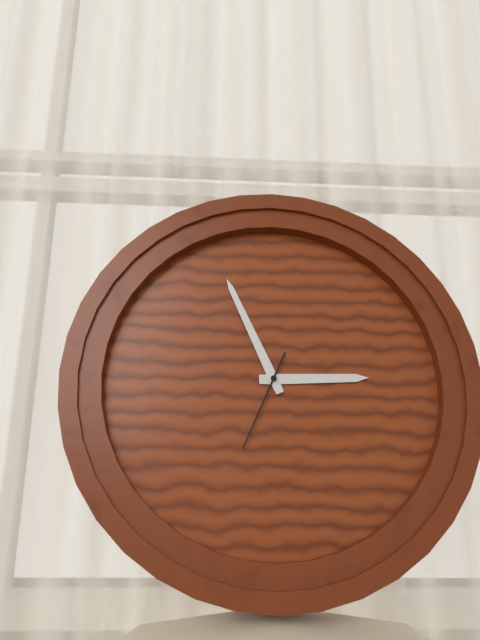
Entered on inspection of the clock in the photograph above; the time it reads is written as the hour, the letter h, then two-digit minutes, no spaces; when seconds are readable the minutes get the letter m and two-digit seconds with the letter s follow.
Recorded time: 2h56m34s
